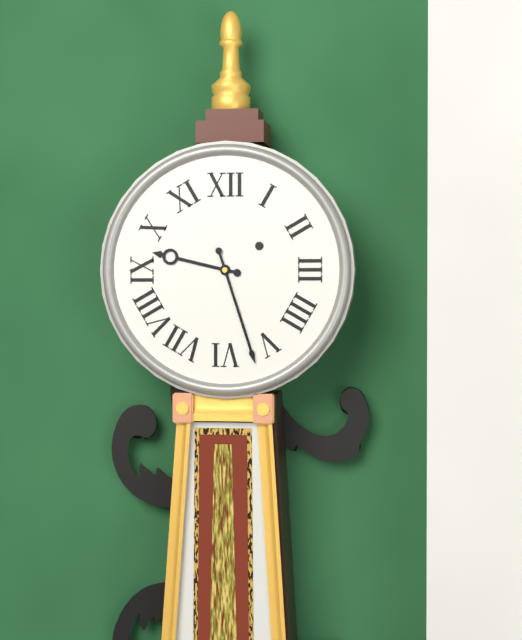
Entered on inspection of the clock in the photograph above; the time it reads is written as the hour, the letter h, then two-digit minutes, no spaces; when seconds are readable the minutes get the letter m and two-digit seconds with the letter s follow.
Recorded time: 9h27
